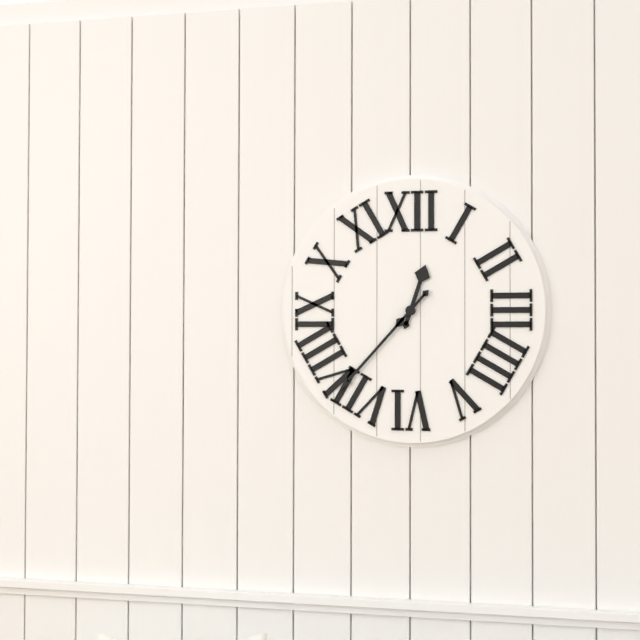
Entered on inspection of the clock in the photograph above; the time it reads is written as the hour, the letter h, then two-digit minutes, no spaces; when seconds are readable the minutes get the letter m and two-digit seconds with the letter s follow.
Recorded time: 12h37
